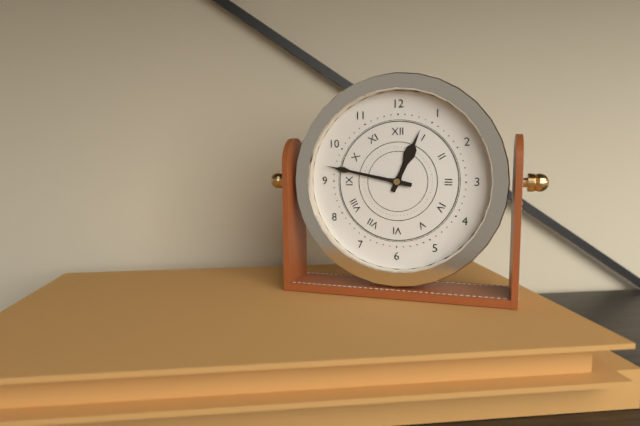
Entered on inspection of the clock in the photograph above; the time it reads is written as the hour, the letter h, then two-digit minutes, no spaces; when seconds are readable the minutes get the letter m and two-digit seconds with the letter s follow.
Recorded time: 12h47
